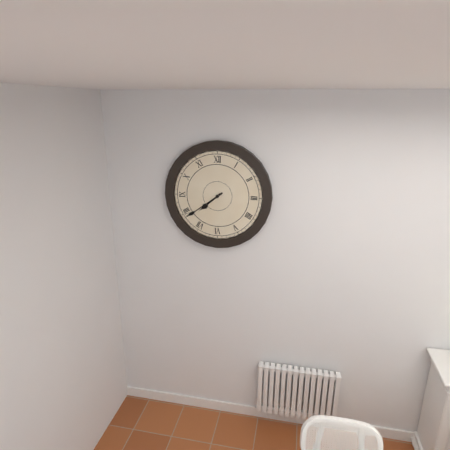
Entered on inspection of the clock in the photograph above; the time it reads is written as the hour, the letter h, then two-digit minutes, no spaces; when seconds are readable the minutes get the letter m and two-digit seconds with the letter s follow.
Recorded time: 7h39
